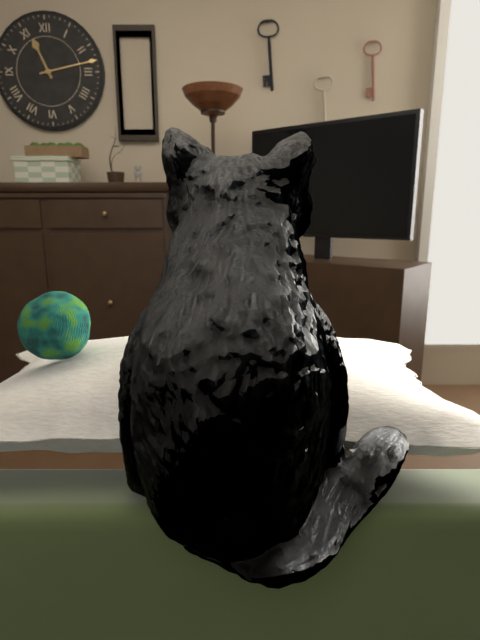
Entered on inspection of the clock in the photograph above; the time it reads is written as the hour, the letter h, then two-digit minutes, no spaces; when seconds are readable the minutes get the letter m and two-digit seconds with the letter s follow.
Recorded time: 11h13
